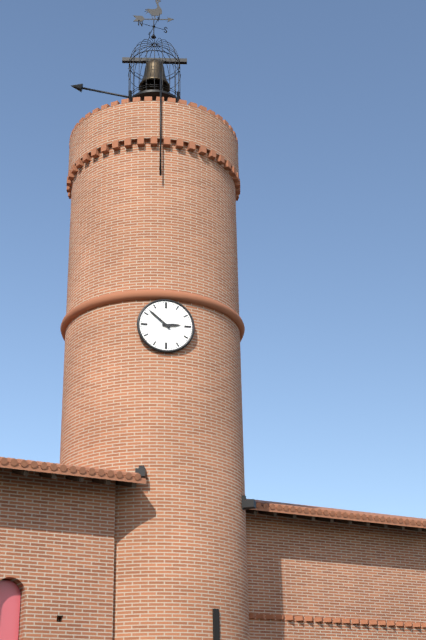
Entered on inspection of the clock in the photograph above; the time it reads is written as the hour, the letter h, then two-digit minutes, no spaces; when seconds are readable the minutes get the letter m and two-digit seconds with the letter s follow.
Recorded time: 2h52
